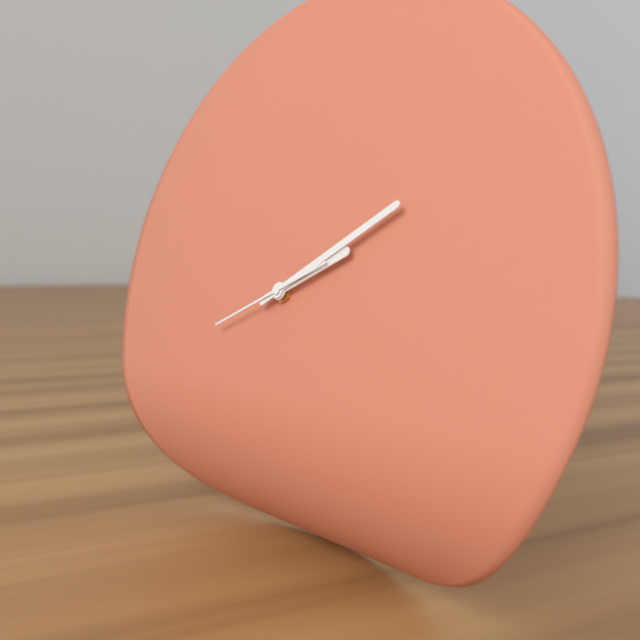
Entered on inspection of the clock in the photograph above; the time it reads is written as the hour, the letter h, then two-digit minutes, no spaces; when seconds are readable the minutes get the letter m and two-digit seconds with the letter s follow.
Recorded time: 2h10m41s
